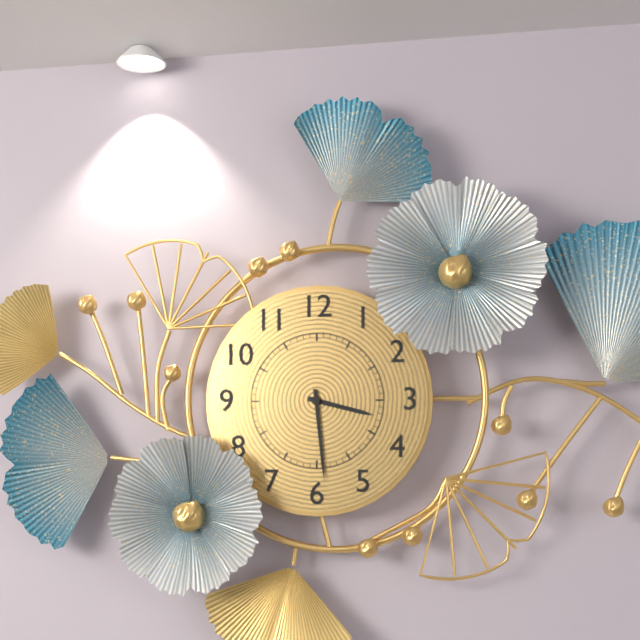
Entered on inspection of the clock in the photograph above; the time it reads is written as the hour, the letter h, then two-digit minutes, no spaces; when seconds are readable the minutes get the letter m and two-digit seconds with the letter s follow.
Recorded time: 3h29
